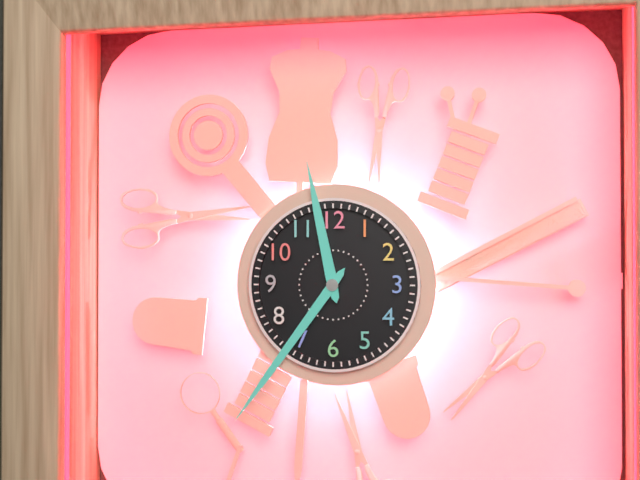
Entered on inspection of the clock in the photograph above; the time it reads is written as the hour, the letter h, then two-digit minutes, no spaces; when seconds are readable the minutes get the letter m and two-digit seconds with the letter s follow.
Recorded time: 11h36
